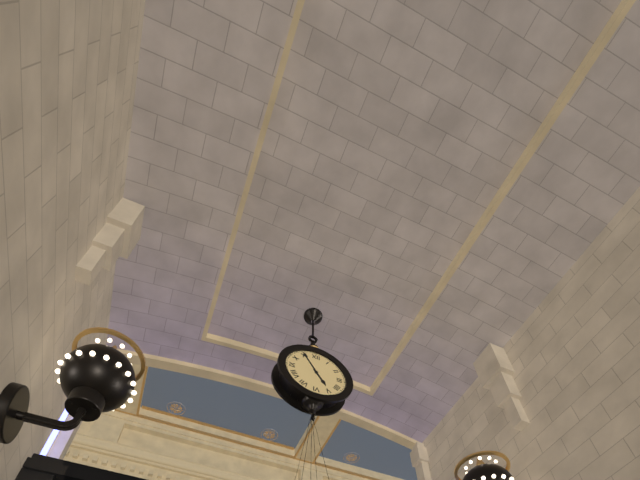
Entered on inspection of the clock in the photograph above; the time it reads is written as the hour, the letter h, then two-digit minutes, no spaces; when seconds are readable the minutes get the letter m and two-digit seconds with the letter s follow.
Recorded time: 4h55
